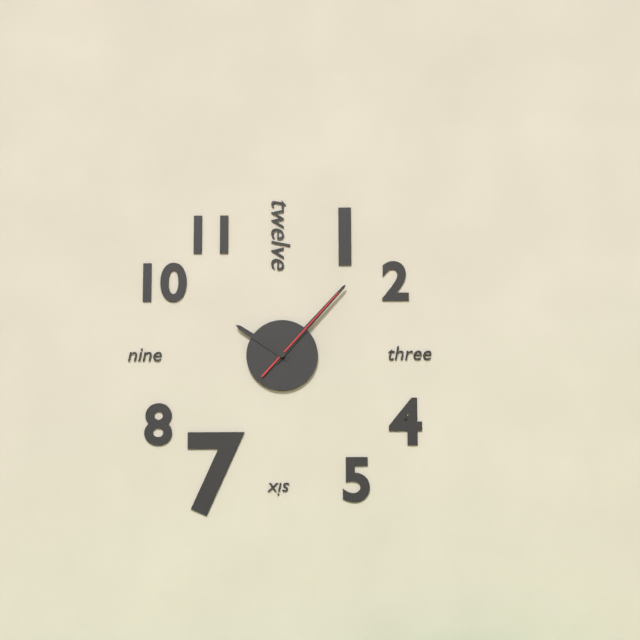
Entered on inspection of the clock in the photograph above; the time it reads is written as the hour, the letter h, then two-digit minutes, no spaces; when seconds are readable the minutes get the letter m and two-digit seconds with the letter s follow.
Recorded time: 10h07m07s
